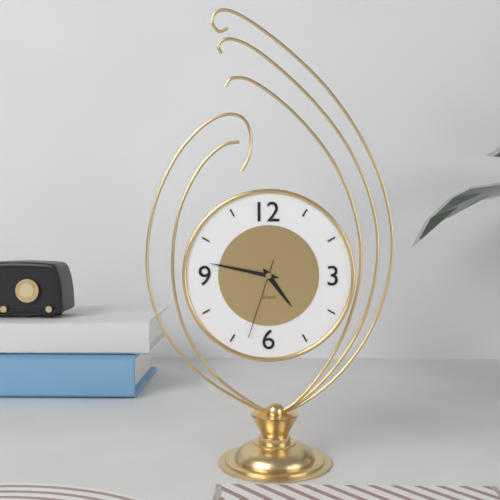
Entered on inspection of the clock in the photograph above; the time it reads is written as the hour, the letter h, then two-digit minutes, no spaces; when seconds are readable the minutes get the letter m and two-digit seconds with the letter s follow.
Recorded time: 4h47m33s
